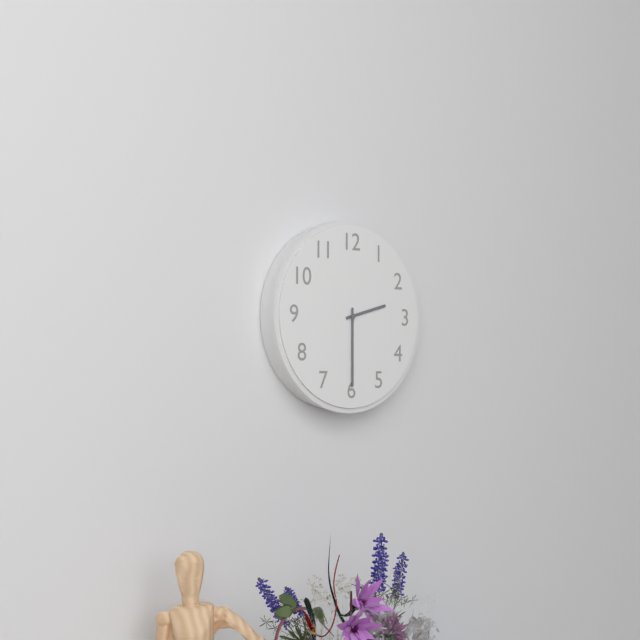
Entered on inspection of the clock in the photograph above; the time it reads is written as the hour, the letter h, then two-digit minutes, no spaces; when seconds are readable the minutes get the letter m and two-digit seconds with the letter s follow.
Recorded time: 2h30
